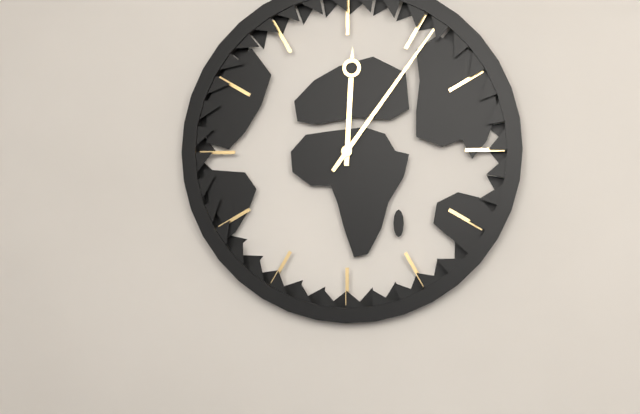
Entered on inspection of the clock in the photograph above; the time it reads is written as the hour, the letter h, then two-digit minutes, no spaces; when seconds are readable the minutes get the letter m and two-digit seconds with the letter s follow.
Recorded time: 12h06
